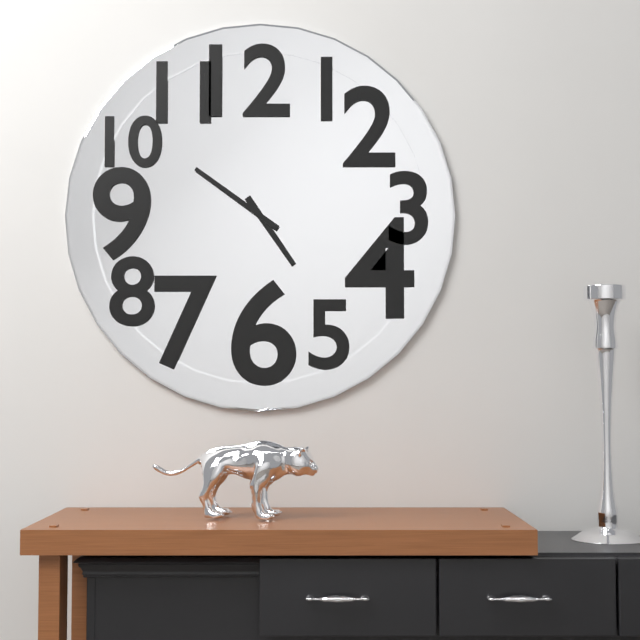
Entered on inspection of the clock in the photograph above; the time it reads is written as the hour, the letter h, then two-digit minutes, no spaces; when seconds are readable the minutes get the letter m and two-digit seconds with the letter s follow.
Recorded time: 4h51
